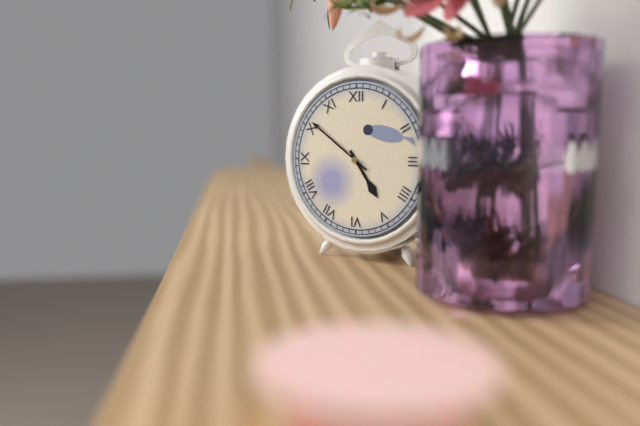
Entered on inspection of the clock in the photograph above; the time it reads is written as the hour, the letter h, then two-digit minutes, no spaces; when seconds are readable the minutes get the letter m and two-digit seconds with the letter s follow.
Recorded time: 4h51
